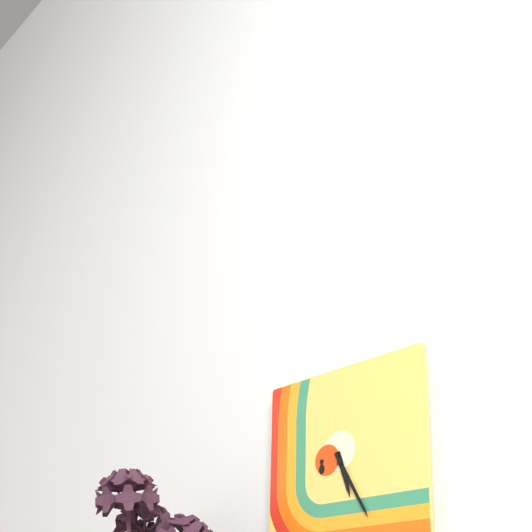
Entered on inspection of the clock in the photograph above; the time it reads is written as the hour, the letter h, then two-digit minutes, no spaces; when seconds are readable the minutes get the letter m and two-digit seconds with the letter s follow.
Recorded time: 5h25
